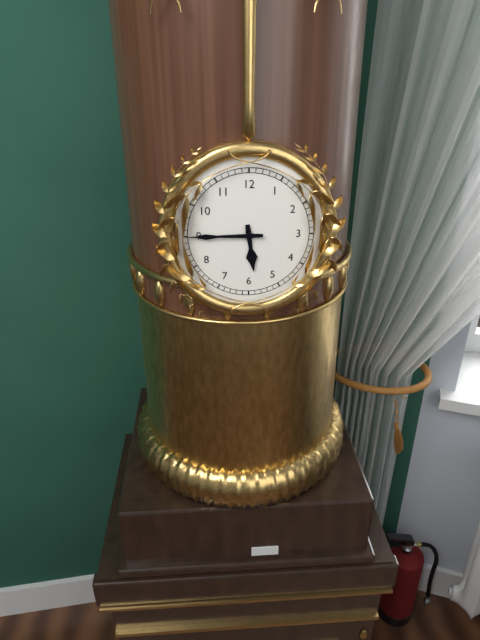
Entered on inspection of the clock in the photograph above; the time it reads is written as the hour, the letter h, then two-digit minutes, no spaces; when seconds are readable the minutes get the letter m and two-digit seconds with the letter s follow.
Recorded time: 5h45
